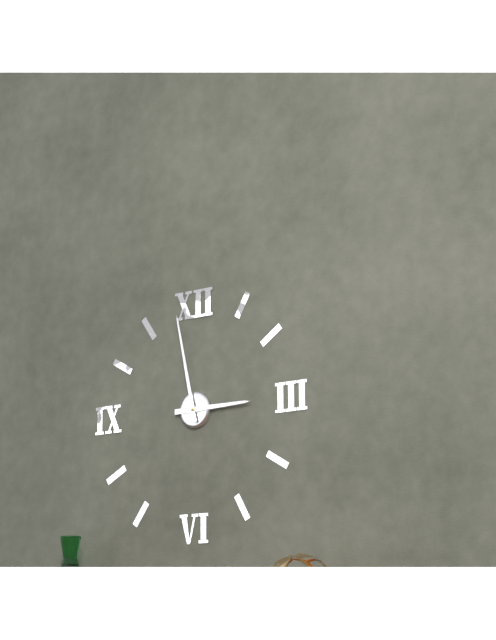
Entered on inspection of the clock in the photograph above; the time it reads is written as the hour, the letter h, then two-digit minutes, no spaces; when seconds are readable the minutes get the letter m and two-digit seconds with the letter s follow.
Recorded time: 2h58
